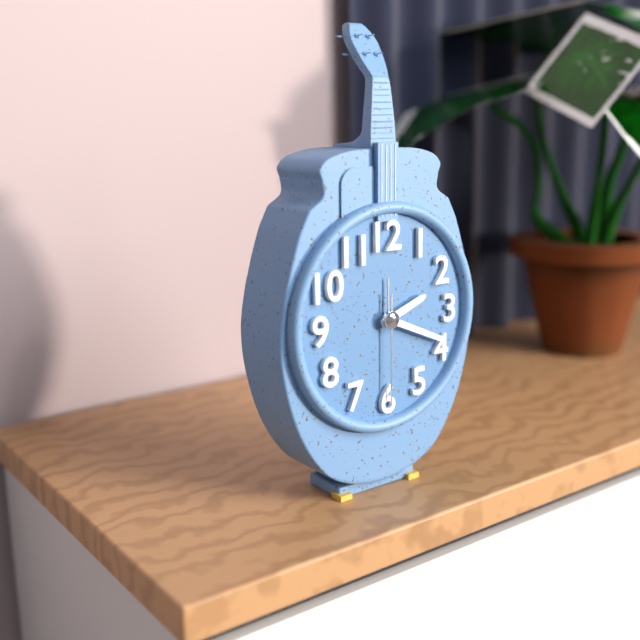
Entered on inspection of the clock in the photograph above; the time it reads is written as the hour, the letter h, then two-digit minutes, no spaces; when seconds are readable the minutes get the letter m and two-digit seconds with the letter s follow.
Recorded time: 2h19m30s
